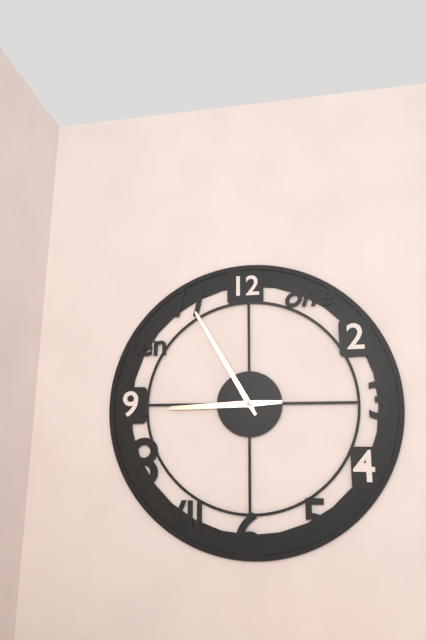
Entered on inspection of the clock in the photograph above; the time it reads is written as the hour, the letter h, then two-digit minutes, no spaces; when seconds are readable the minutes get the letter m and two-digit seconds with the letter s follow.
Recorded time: 8h55
